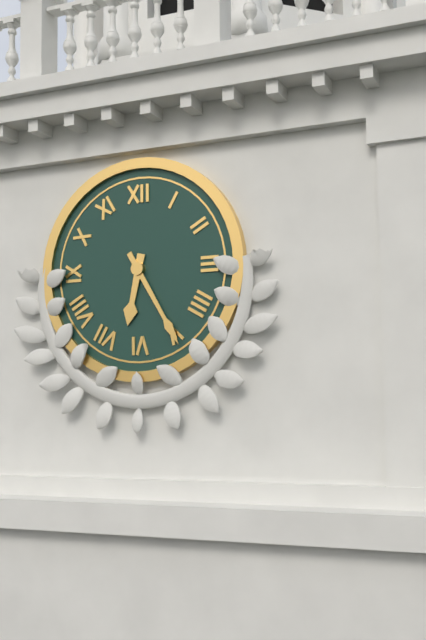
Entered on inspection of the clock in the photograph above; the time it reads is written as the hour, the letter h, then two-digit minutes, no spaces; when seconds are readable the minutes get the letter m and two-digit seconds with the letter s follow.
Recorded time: 6h25
